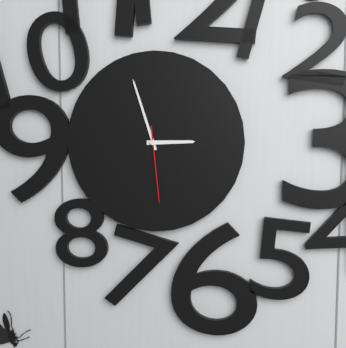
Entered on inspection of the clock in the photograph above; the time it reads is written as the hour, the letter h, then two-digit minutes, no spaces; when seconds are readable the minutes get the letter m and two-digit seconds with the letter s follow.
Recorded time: 2h57m29s
